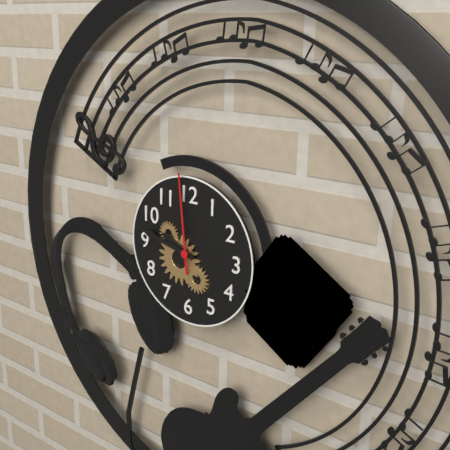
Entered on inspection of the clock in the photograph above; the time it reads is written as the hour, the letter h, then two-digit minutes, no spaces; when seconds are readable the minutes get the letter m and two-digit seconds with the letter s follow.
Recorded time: 9h47m59s
